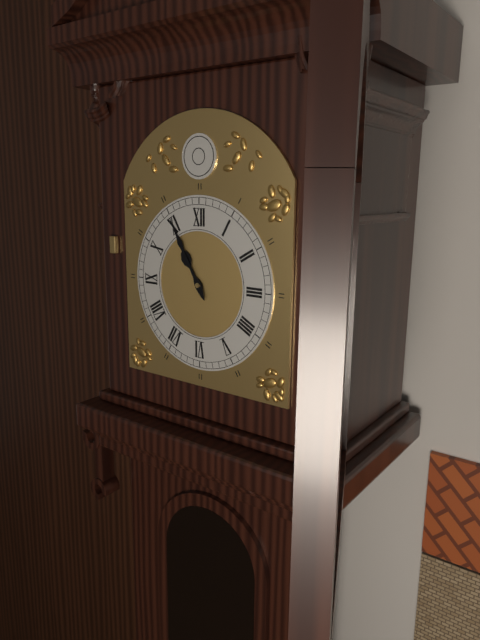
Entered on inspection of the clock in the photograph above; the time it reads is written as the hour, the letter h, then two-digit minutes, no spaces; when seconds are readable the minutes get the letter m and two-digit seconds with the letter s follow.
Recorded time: 10h55
